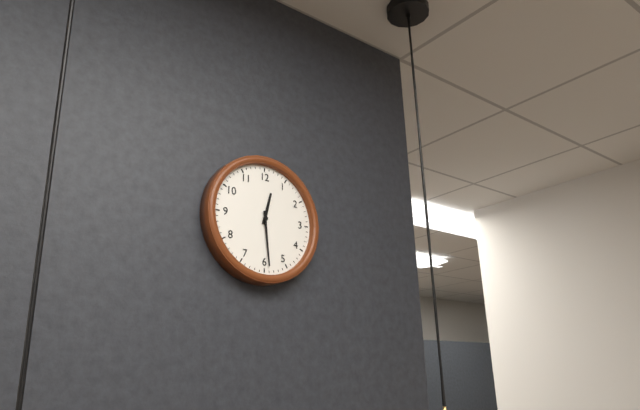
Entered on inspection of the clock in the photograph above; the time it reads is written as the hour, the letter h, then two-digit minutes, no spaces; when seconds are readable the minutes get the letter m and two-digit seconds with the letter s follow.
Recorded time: 12h29
